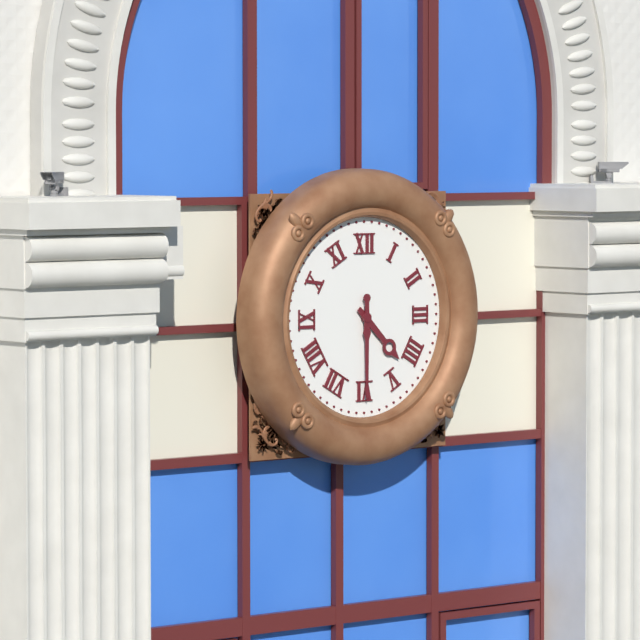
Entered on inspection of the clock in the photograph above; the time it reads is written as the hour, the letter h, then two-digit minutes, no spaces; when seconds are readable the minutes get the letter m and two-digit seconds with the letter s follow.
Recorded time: 4h30
